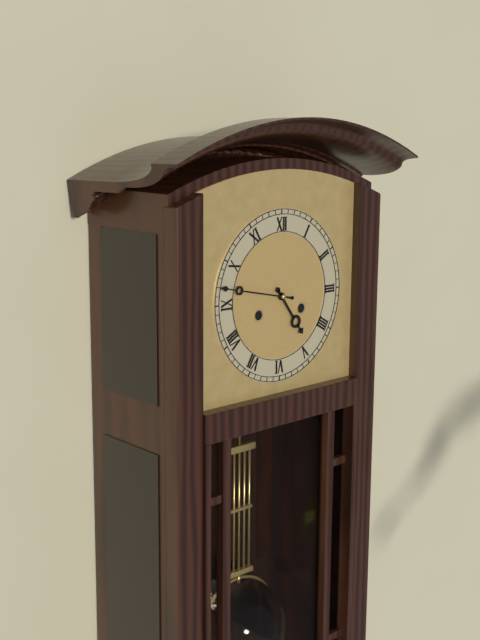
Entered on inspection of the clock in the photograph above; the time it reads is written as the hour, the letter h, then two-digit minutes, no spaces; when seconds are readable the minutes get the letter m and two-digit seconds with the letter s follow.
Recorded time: 4h47
